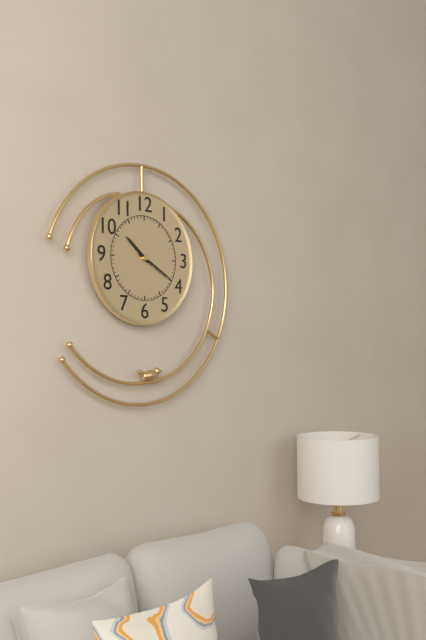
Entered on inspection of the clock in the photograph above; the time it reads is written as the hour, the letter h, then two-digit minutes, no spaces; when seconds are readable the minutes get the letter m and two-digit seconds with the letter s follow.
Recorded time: 10h20
